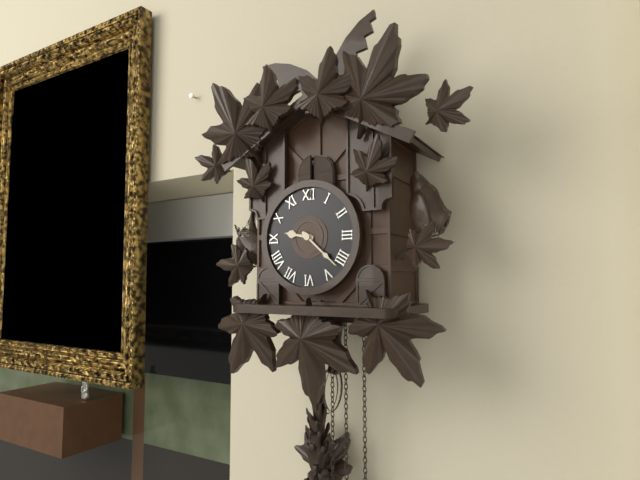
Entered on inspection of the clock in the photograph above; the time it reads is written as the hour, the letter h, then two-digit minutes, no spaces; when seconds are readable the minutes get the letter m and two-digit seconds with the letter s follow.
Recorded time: 9h22
